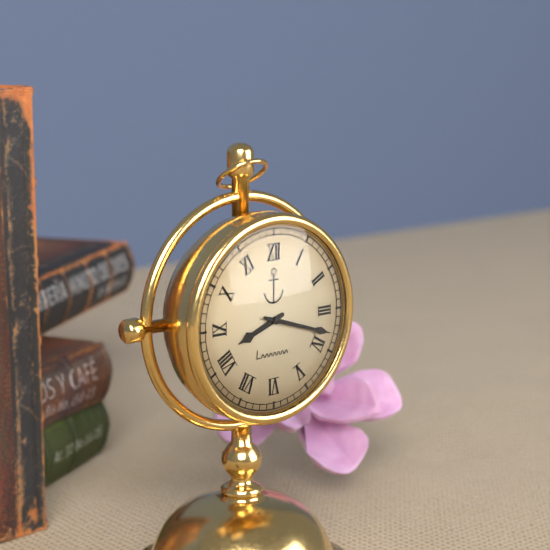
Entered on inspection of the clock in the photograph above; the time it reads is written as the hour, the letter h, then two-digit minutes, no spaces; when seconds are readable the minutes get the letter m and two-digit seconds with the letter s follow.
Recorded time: 8h18
